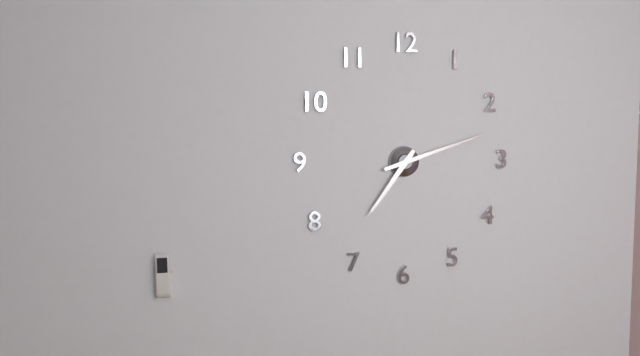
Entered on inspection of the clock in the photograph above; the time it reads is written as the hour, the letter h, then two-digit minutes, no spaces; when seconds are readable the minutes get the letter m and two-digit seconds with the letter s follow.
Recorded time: 7h12
